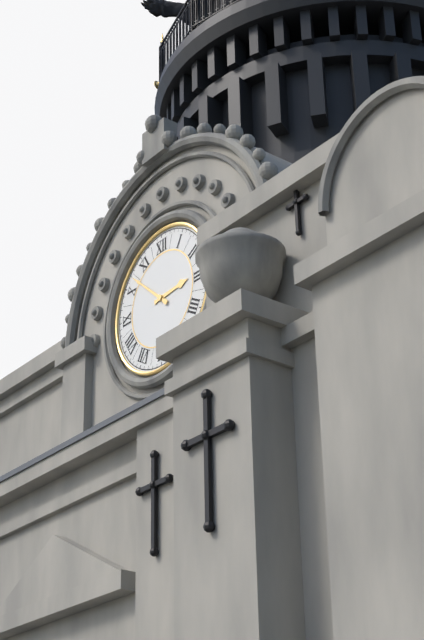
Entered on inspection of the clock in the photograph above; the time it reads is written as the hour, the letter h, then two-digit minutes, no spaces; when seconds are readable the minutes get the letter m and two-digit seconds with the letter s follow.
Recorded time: 2h52
